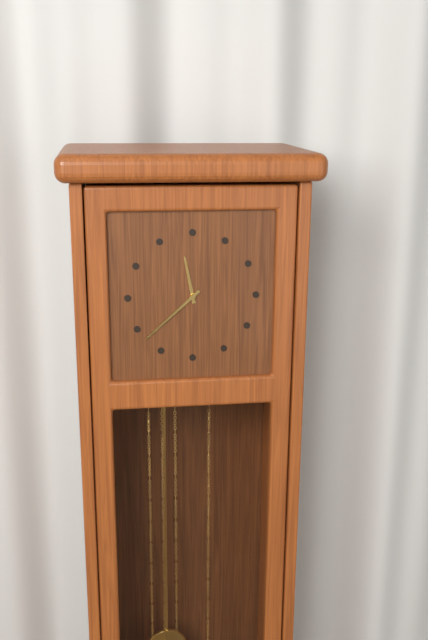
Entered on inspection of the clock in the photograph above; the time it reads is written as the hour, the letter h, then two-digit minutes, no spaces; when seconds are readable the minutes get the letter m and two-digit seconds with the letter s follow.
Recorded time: 11h38
